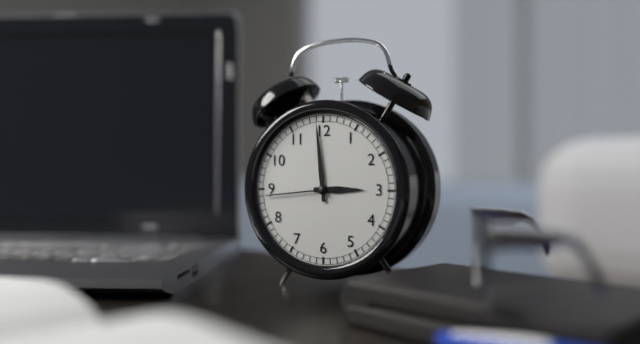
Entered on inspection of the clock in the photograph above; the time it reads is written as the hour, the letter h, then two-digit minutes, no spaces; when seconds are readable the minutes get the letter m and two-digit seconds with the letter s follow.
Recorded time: 2h59m44s
